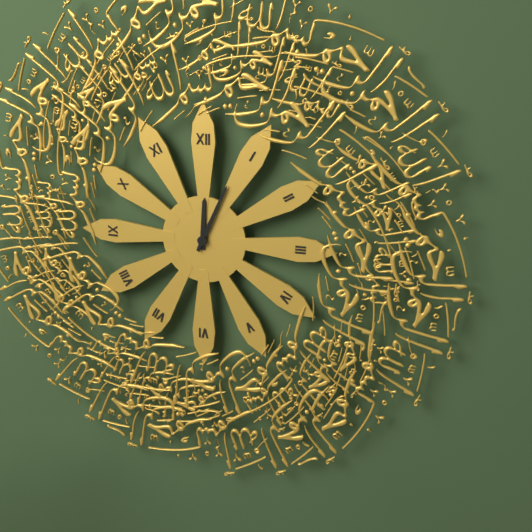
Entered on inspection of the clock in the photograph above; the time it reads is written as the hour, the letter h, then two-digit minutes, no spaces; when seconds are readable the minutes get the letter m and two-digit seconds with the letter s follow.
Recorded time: 12h04
